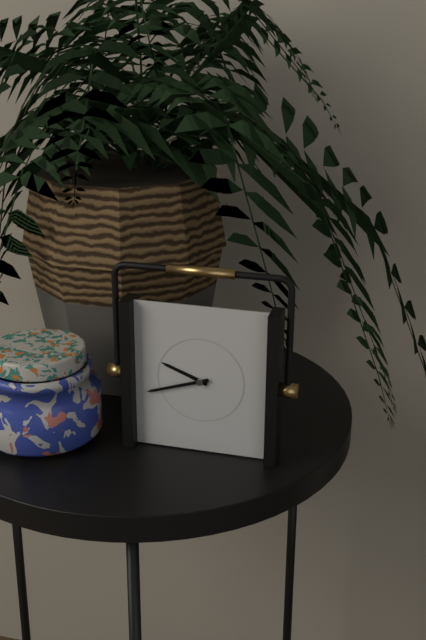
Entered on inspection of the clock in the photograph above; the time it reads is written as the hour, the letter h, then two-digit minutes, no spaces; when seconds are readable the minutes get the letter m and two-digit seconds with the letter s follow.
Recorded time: 9h42
